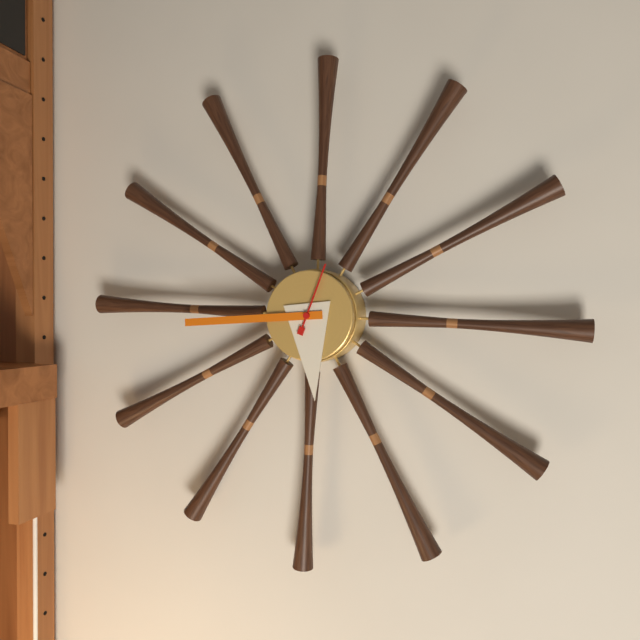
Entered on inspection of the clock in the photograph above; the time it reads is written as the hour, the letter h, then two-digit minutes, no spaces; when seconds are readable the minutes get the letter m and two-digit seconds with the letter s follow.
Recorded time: 5h44m03s
